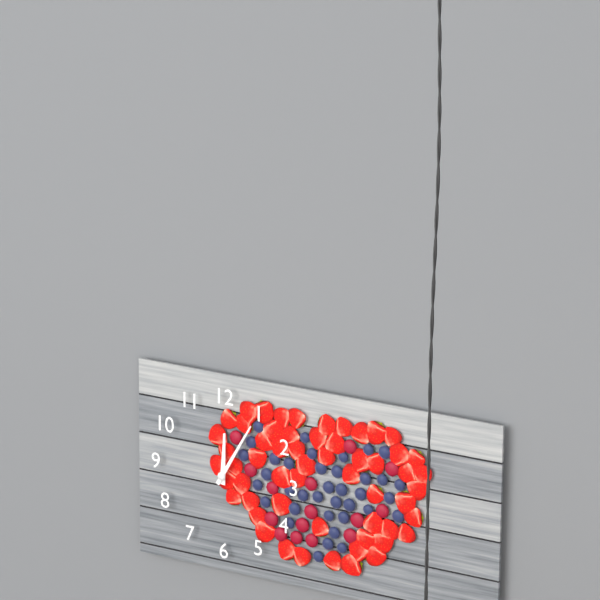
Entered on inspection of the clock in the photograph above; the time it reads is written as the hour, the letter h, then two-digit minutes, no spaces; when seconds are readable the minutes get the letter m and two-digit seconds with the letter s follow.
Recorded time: 12h05
